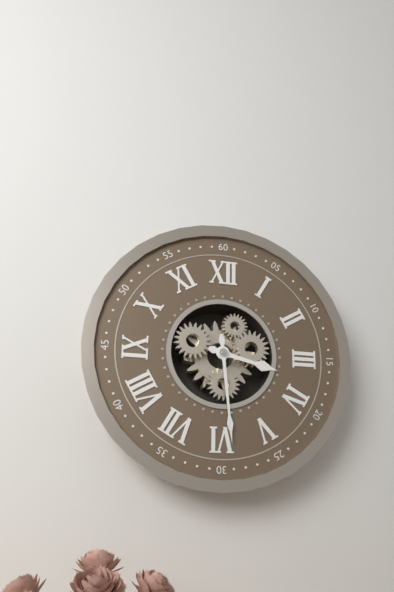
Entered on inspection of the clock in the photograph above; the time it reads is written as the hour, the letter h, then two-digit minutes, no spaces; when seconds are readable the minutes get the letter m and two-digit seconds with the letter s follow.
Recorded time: 3h29
